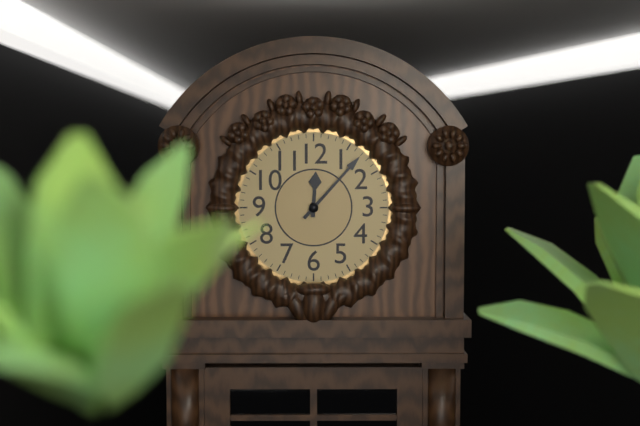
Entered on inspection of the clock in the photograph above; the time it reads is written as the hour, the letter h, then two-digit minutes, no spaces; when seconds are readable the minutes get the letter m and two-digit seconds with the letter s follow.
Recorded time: 12h07
